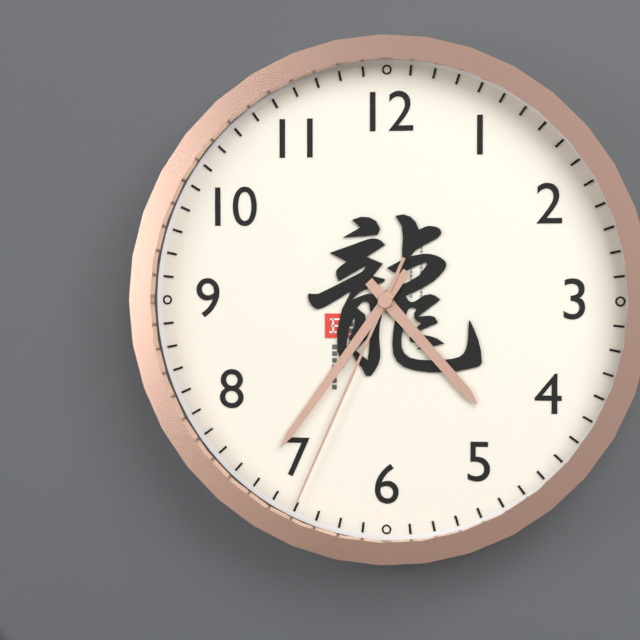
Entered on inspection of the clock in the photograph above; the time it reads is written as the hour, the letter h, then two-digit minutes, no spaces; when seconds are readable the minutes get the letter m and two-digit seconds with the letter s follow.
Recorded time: 4h36m34s
